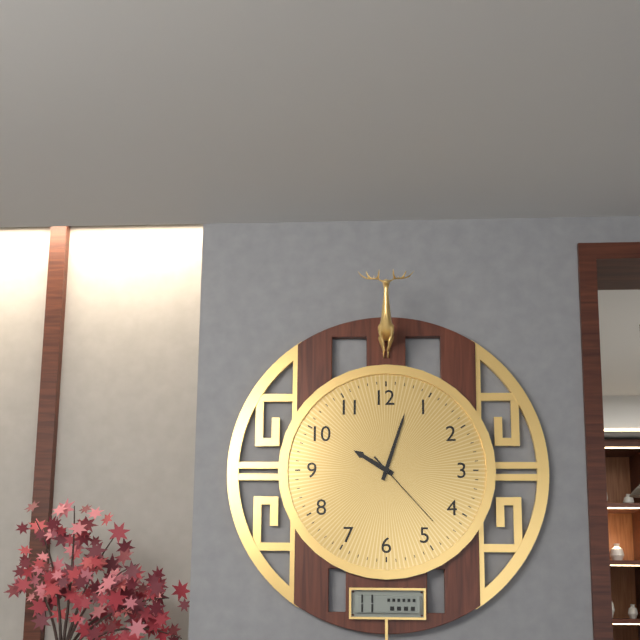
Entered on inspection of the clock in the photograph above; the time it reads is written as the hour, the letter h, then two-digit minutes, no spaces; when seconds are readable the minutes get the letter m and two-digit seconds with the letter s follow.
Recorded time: 10h03m23s
